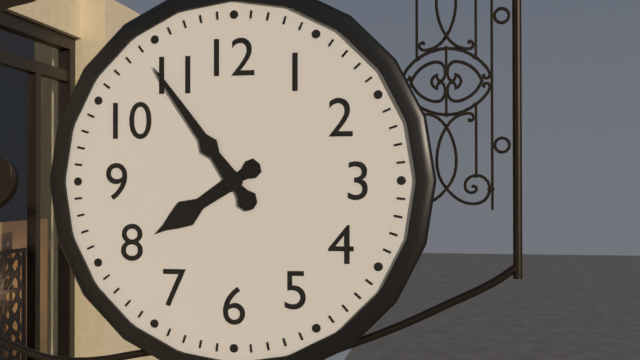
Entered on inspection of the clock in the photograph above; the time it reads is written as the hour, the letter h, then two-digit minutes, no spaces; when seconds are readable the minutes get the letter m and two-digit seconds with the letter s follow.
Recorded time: 7h54
